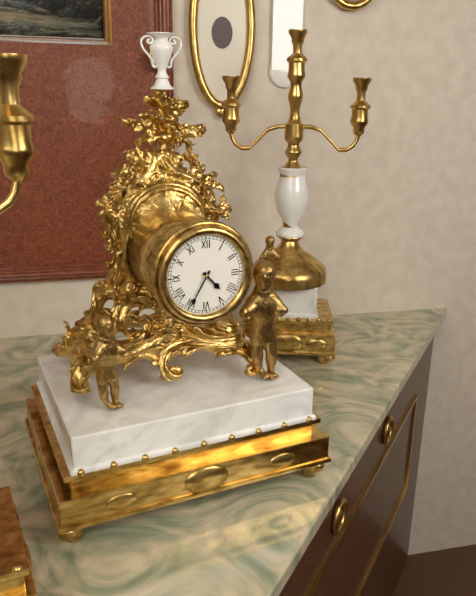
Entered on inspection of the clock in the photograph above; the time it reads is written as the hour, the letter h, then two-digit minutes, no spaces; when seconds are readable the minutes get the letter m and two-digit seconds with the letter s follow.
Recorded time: 4h35
